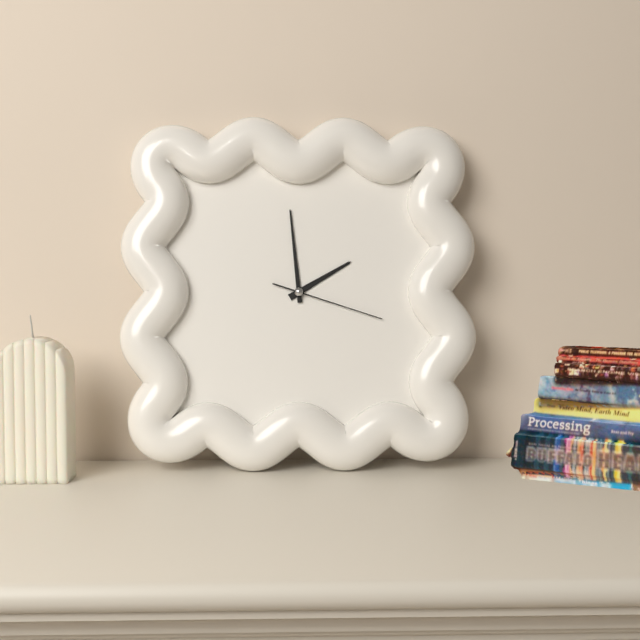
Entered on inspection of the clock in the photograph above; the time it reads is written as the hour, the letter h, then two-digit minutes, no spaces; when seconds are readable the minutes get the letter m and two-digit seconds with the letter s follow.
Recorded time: 1h59m18s
